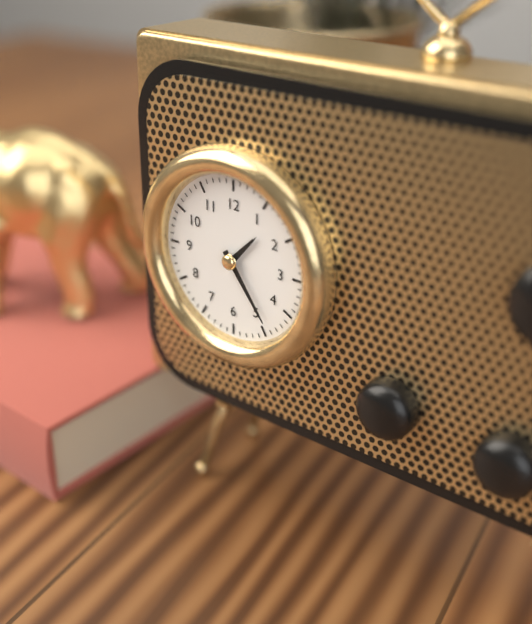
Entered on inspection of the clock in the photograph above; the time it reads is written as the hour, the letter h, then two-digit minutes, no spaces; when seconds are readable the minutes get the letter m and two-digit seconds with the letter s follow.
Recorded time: 1h24
